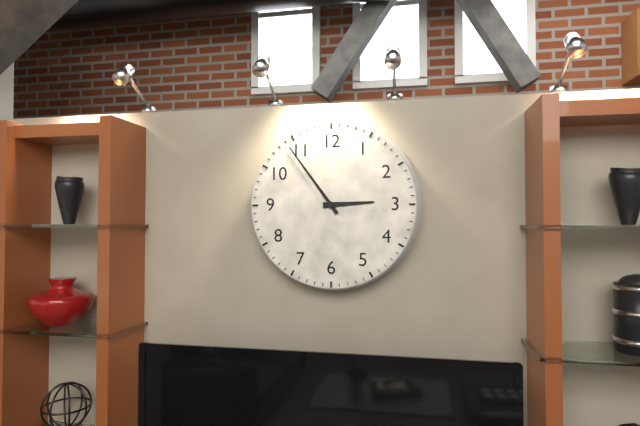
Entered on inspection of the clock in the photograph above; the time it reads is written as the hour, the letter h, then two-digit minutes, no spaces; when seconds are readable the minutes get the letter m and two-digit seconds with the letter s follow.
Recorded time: 2h54
